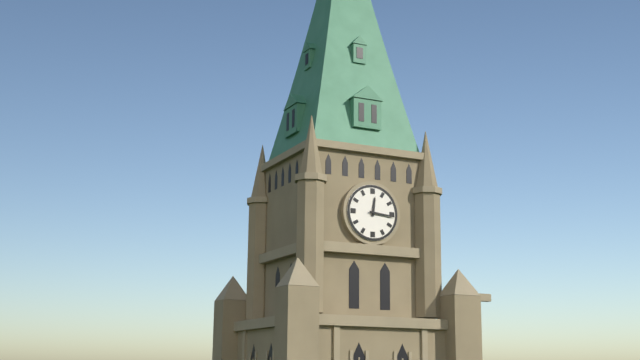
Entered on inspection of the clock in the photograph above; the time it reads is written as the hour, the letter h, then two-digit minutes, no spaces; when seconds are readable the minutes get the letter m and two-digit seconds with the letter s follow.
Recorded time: 12h16
